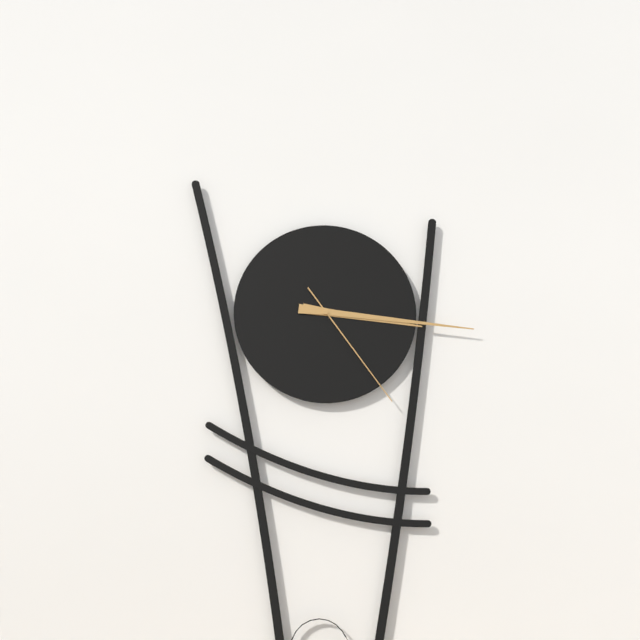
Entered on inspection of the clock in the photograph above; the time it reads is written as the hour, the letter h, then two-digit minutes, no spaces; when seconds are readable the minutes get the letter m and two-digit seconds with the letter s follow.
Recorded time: 3h16m24s
